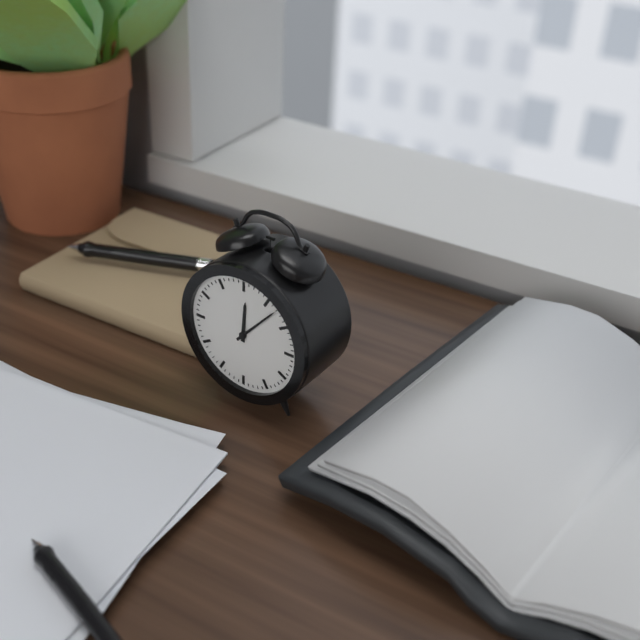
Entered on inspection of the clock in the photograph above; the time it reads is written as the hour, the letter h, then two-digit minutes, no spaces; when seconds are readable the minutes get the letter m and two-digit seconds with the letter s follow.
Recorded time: 12h07
